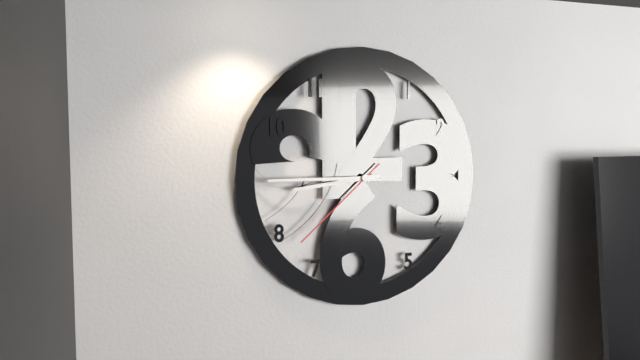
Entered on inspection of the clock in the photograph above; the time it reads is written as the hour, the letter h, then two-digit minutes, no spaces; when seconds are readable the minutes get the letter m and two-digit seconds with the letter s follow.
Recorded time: 8h45m38s
